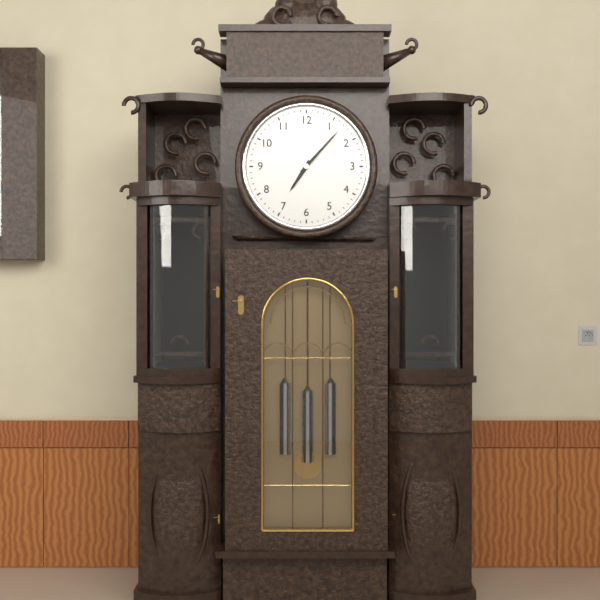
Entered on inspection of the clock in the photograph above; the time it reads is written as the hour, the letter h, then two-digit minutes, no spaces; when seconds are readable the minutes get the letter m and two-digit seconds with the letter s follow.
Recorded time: 7h07
